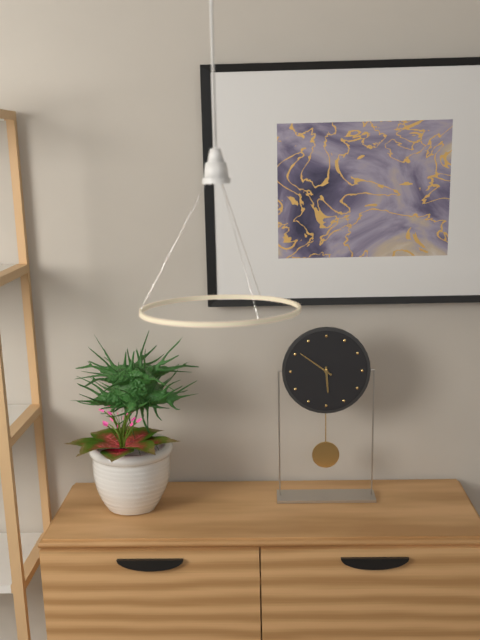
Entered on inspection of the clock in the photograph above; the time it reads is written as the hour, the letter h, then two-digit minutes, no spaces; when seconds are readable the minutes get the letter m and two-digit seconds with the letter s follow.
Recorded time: 5h51
